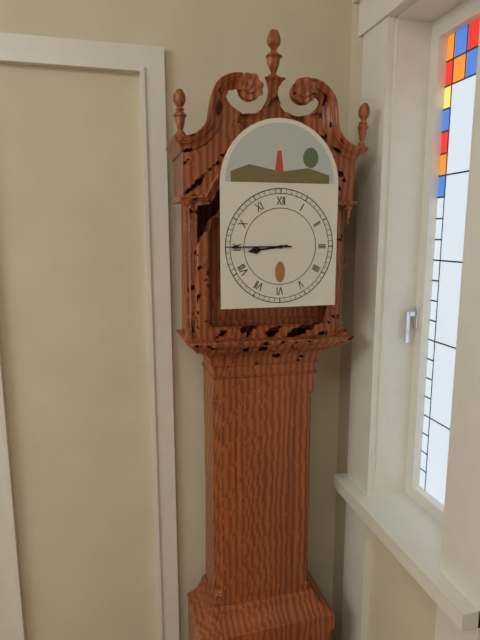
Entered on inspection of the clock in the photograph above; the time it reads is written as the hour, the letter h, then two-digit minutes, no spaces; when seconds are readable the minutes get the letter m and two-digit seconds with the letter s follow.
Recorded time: 8h45
